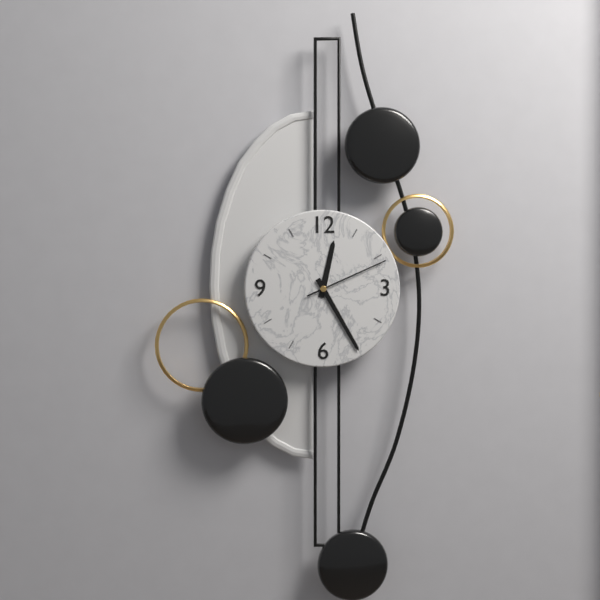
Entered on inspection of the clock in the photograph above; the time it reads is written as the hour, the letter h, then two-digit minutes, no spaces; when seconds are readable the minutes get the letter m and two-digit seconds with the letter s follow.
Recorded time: 12h25m11s
